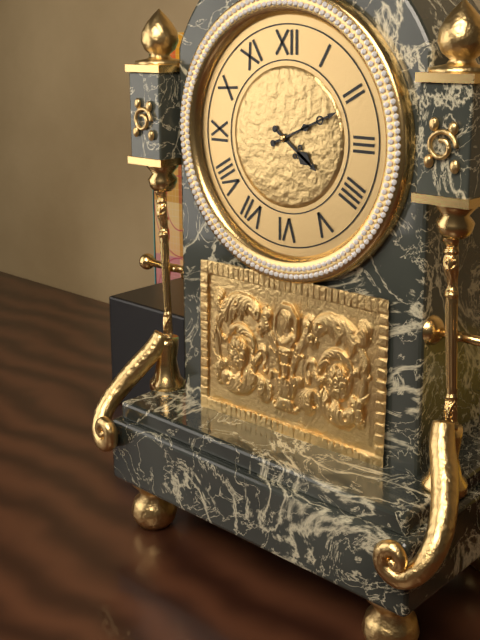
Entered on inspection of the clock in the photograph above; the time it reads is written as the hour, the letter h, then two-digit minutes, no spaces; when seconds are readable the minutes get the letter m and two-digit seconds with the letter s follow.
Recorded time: 4h11
